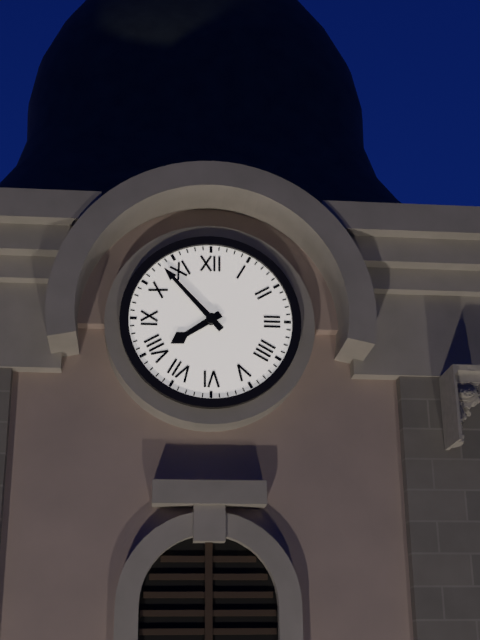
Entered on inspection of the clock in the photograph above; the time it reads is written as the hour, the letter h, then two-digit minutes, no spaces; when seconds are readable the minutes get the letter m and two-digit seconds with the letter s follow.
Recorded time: 7h53
